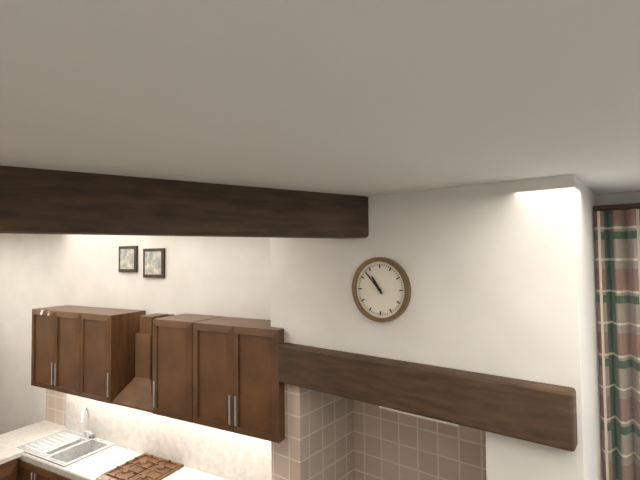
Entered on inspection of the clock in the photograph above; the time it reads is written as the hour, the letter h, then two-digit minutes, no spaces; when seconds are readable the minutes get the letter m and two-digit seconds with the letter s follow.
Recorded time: 10h53
